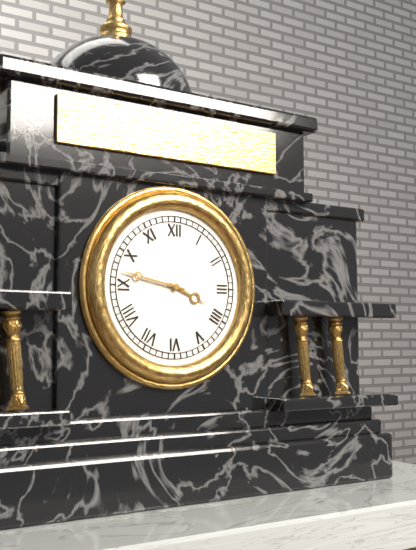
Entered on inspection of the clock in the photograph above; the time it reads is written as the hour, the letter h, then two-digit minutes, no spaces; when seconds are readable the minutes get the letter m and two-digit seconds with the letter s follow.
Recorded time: 3h47
